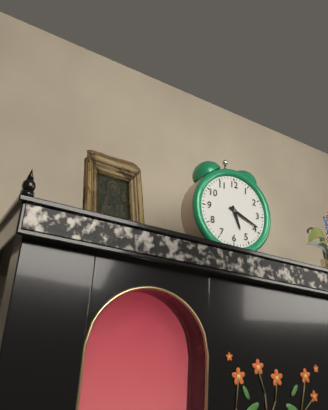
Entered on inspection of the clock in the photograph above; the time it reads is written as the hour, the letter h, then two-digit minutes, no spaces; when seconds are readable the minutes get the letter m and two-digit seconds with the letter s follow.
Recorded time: 5h19
